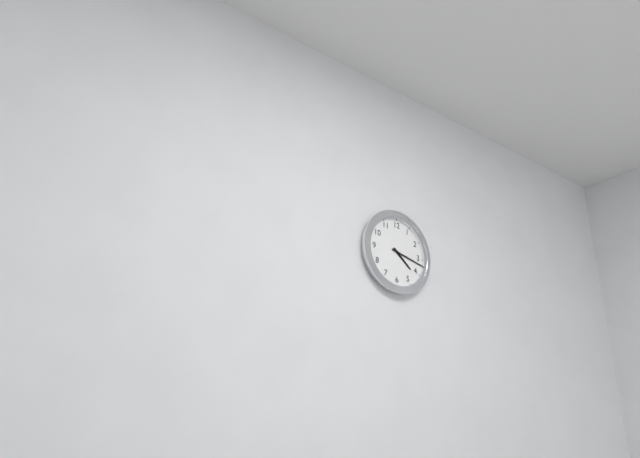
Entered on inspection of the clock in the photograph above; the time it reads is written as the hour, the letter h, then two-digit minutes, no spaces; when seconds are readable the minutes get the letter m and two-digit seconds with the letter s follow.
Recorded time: 4h17
